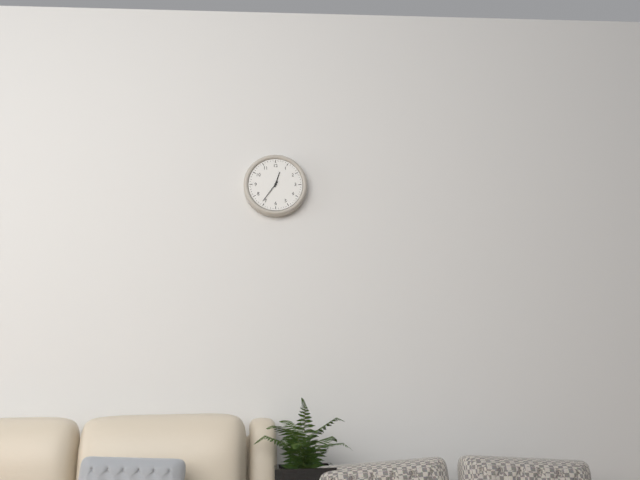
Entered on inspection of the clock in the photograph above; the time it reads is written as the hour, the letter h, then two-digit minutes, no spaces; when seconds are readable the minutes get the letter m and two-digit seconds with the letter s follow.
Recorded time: 12h36
